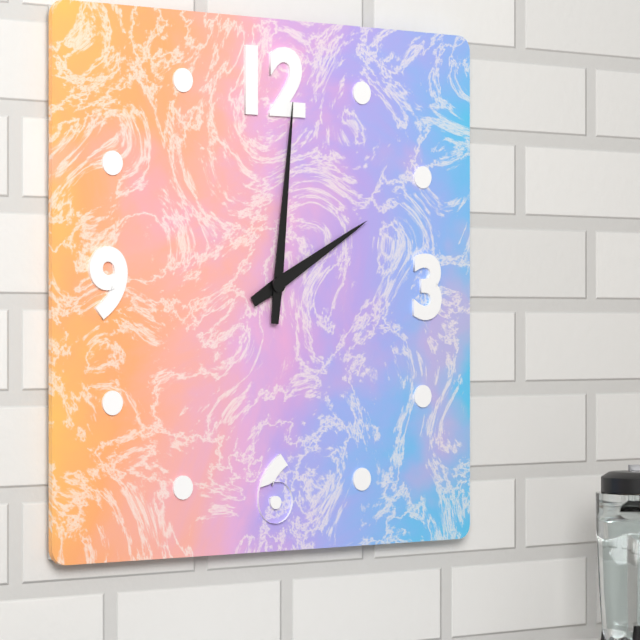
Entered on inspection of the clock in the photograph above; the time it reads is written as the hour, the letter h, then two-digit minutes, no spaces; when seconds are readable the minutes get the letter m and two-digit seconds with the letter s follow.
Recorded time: 2h01
